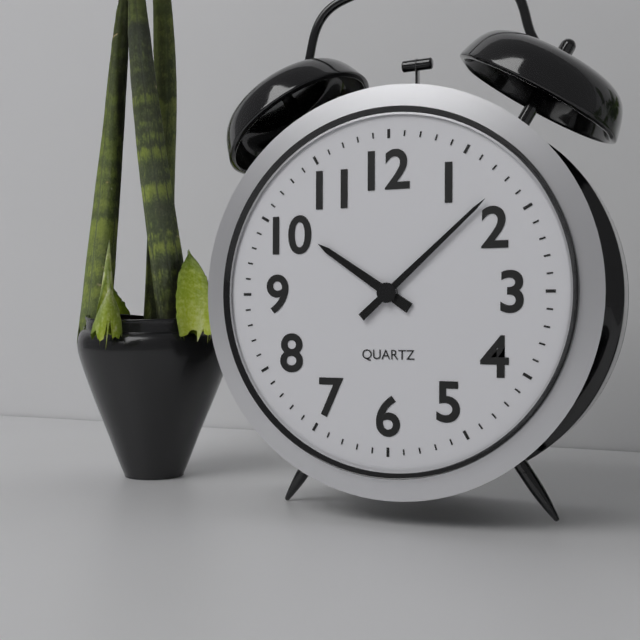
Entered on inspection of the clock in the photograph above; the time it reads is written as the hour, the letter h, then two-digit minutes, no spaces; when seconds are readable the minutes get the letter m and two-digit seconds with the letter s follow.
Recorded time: 10h08
